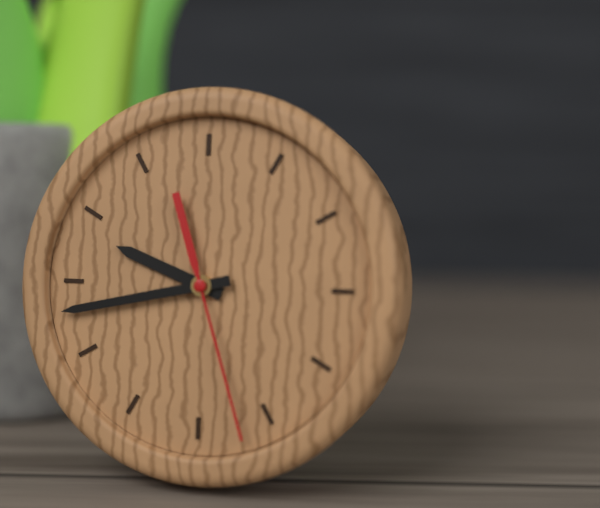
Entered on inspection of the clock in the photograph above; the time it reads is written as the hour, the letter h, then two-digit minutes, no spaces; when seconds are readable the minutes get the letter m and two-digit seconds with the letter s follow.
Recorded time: 9h43m27s
